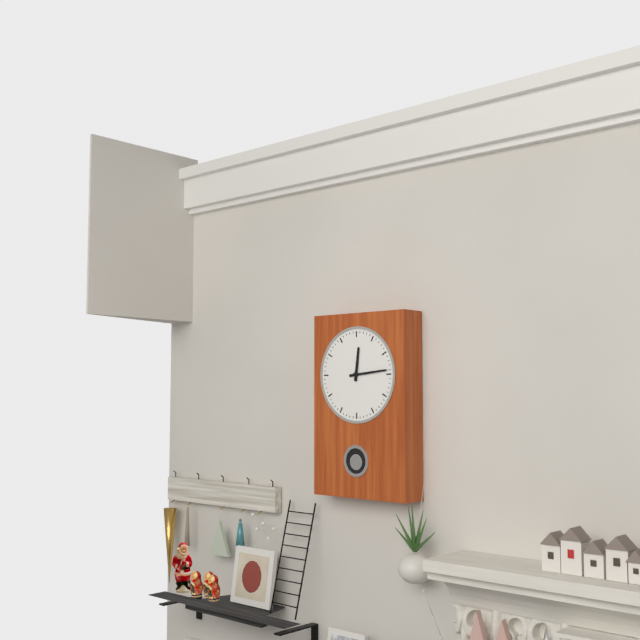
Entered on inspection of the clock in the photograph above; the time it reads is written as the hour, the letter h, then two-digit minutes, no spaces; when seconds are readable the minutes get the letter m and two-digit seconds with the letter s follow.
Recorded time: 12h14
